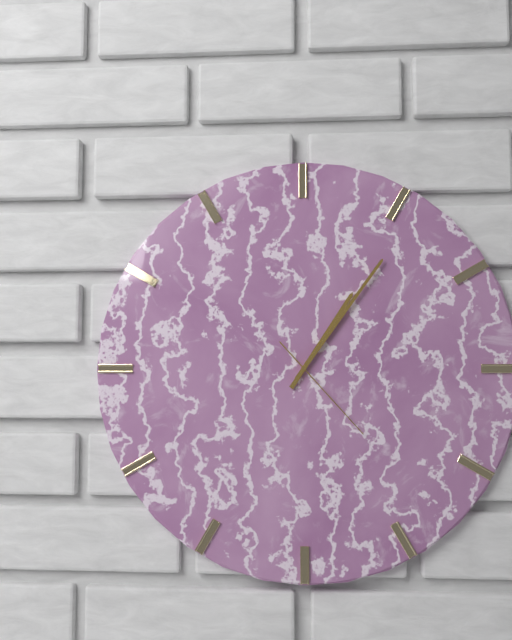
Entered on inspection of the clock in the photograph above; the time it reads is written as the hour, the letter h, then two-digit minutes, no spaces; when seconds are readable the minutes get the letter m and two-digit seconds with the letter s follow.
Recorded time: 1h06m23s
